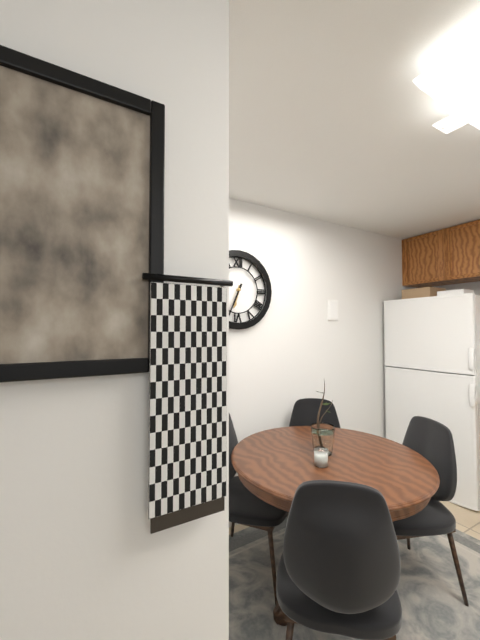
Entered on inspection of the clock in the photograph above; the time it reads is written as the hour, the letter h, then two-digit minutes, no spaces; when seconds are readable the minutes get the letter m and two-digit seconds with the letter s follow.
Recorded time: 6h34
